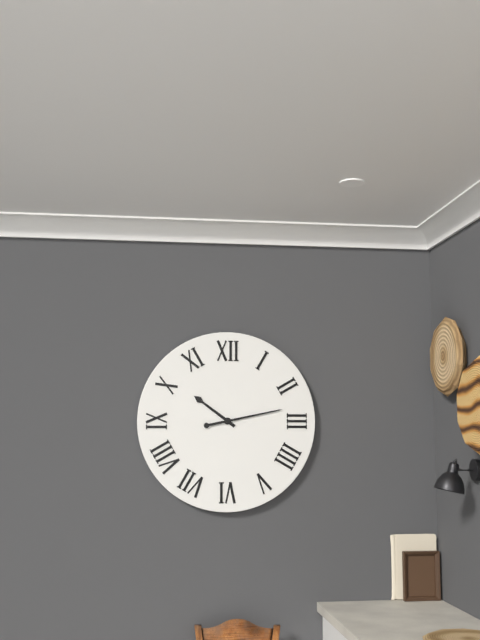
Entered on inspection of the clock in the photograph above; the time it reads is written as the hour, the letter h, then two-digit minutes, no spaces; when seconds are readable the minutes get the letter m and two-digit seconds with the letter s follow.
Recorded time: 10h13
